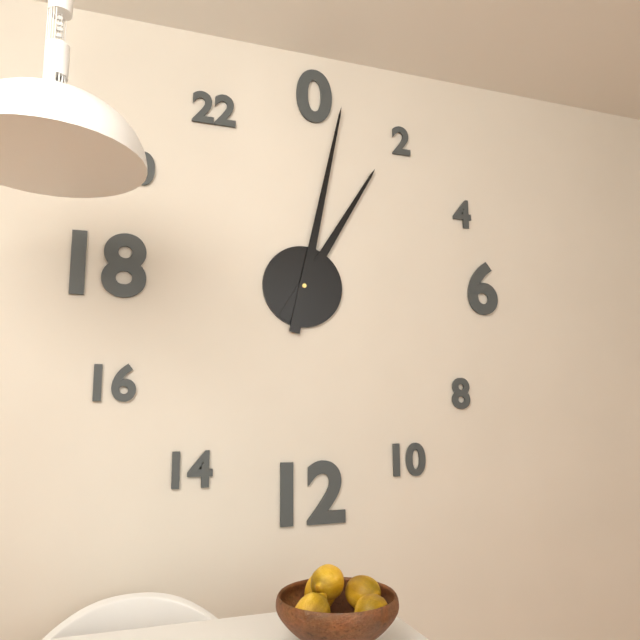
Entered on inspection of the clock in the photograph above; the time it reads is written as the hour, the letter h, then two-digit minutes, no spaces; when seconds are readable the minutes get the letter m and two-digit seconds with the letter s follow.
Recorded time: 1h02
